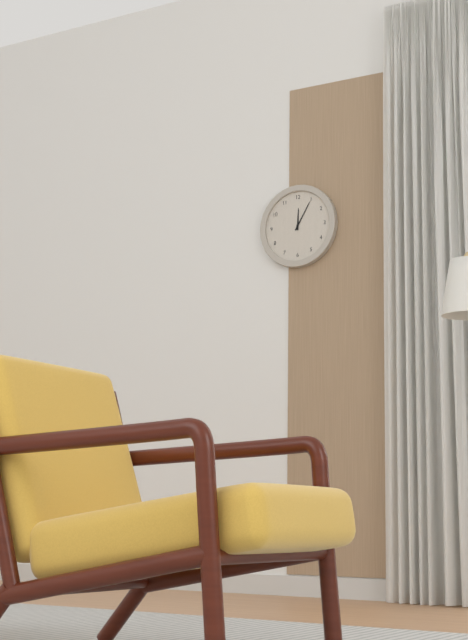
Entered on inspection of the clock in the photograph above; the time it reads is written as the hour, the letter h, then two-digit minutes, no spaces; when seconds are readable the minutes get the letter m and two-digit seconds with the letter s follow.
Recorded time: 12h05
